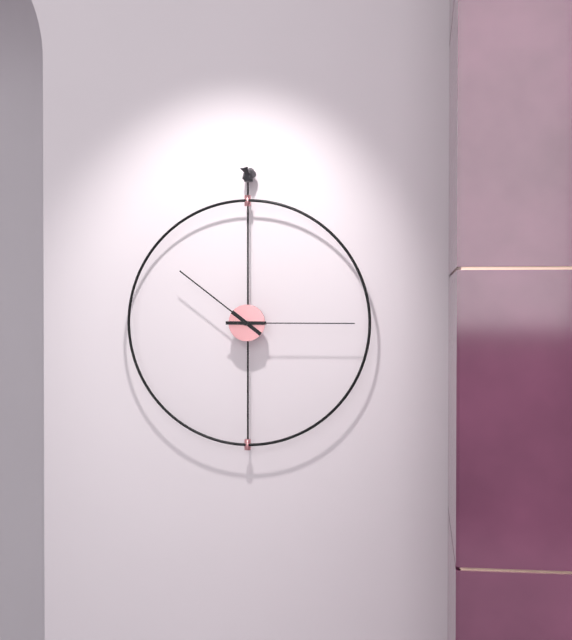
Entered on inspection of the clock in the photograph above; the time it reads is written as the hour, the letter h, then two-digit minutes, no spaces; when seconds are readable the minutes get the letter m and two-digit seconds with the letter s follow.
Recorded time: 10h15
